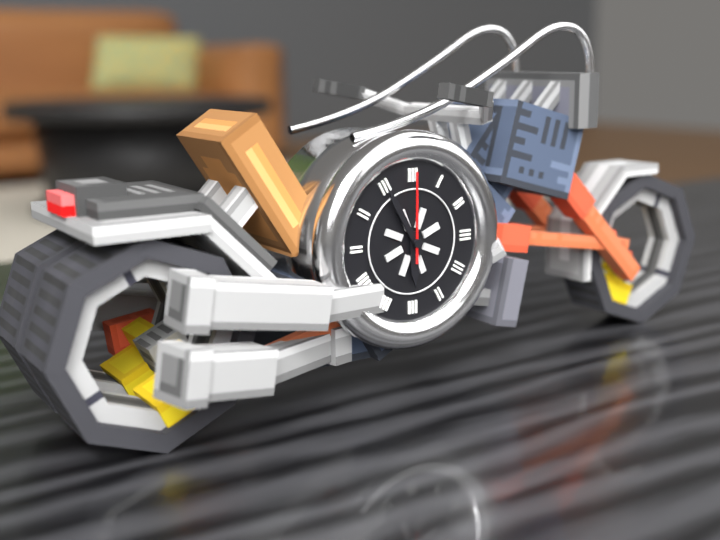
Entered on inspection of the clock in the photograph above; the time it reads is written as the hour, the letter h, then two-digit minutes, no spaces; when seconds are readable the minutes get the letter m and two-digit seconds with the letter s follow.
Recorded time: 5h55m00s
